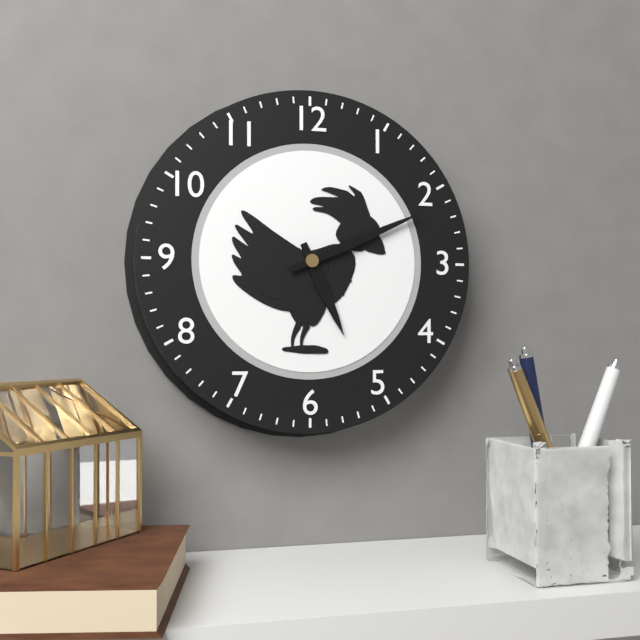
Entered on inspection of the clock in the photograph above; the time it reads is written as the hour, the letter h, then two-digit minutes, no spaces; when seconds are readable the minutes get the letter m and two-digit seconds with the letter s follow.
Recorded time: 5h11
